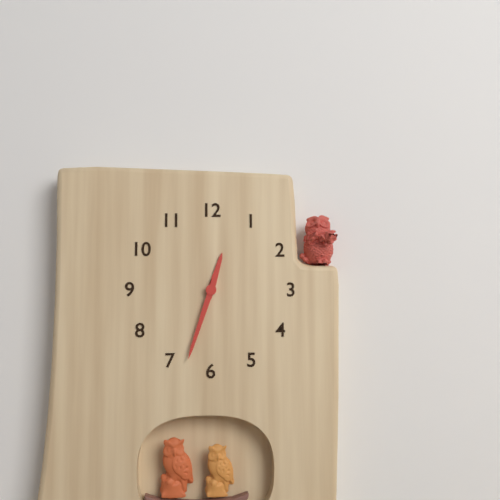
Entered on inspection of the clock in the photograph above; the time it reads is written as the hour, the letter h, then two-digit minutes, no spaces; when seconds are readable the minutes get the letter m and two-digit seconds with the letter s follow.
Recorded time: 12h33
